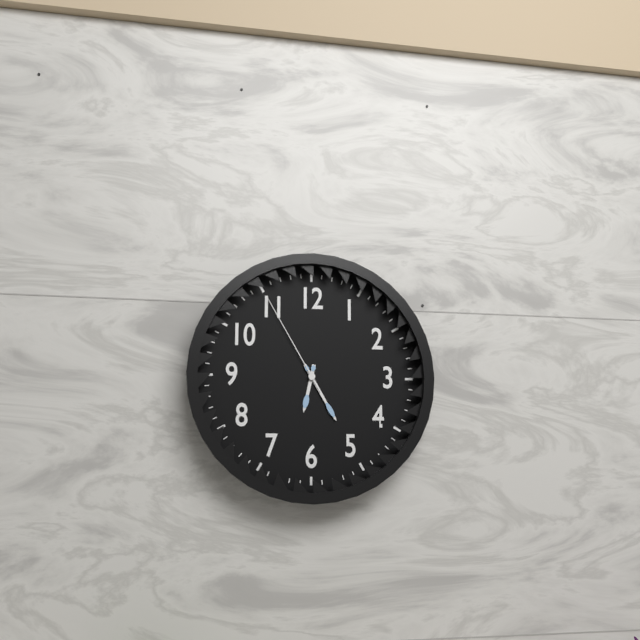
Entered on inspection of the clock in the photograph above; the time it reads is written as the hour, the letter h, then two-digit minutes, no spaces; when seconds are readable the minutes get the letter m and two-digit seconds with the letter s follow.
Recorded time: 6h25m55s
